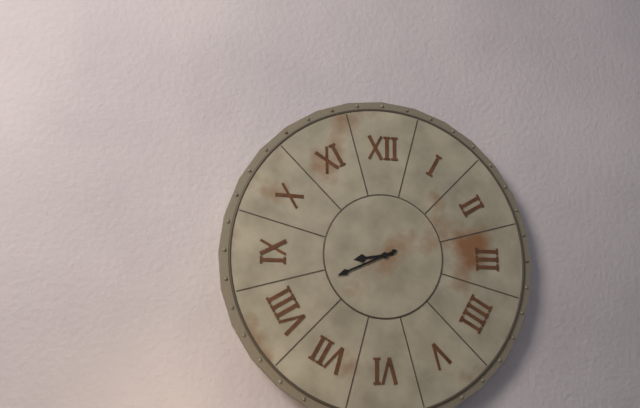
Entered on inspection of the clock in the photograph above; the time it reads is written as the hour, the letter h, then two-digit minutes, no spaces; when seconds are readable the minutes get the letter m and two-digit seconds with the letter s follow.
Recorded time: 8h41
